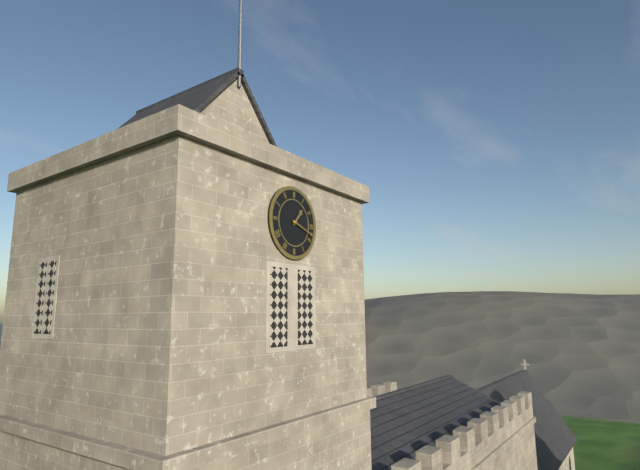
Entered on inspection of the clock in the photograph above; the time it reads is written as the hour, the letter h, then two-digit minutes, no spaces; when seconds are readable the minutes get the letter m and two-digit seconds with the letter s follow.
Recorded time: 1h18
